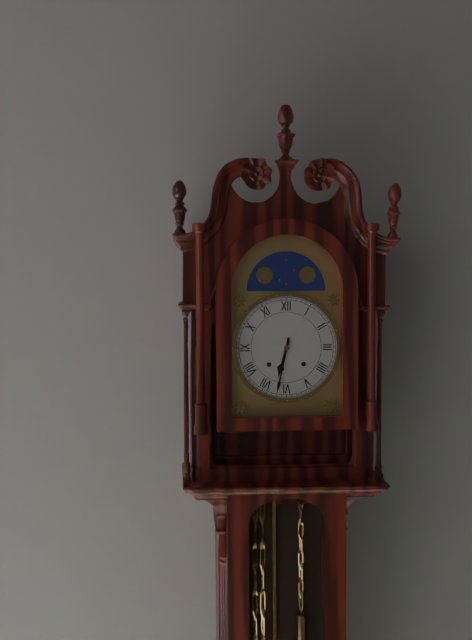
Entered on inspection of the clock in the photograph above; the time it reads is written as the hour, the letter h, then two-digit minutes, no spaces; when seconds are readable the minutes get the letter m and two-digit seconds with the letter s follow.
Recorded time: 6h32
